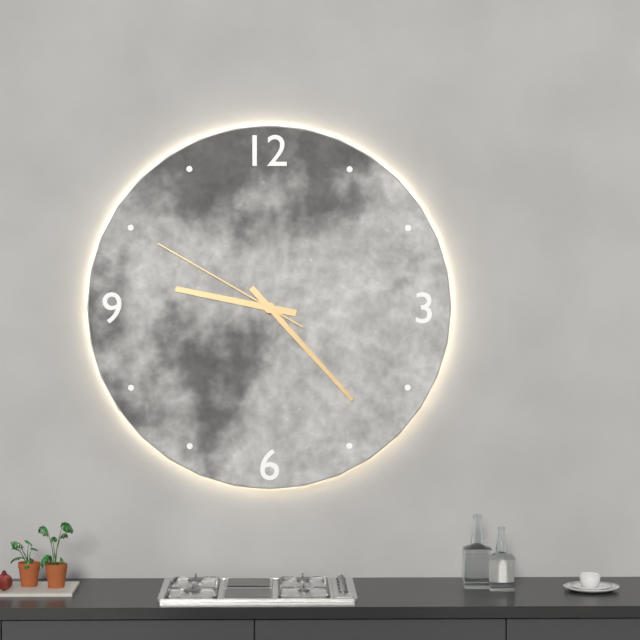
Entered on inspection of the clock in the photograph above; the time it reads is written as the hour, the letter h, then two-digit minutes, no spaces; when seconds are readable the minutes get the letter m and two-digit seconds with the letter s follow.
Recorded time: 9h23m50s
